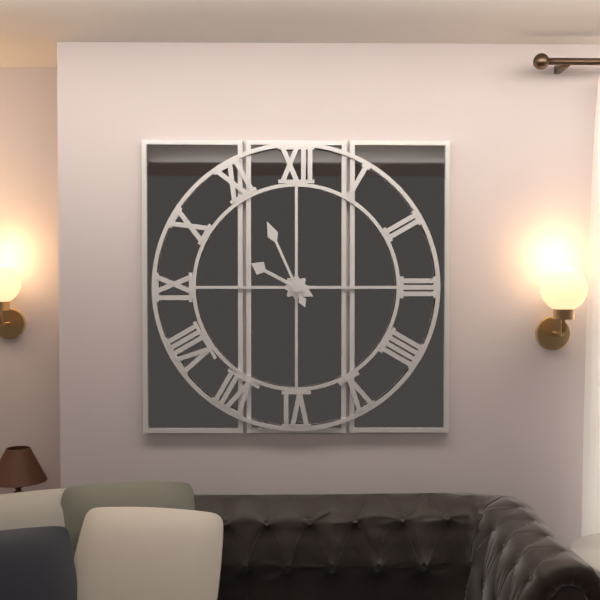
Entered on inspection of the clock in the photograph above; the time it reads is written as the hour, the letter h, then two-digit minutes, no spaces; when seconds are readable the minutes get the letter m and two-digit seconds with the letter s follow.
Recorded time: 9h56
